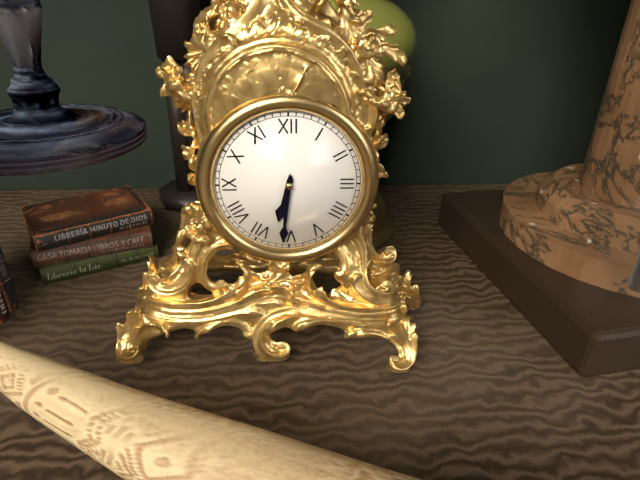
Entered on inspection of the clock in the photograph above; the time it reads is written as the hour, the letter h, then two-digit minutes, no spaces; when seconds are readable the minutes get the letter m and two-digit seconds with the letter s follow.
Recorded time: 6h31
